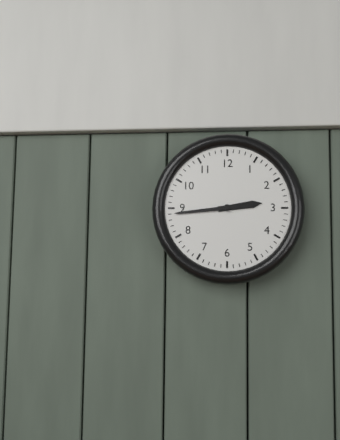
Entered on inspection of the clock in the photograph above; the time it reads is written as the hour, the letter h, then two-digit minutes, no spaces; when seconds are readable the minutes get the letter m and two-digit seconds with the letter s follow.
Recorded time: 2h44
